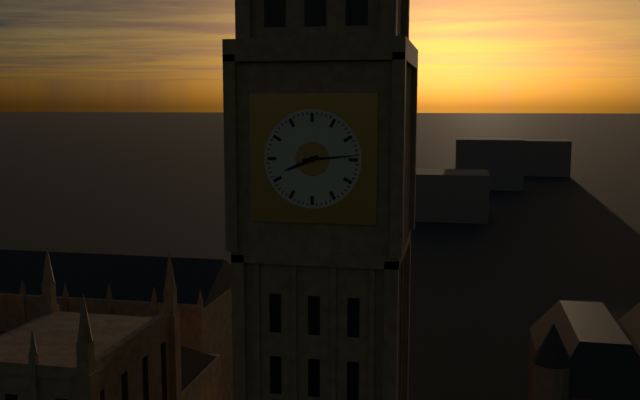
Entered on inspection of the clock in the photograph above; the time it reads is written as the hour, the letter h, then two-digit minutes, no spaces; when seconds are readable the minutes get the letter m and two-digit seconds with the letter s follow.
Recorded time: 8h14
